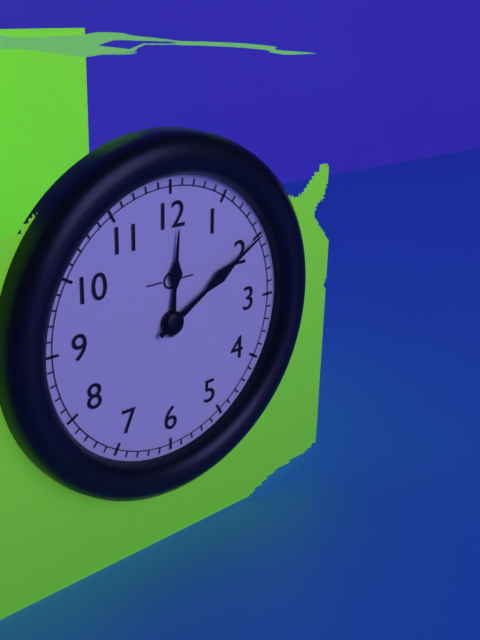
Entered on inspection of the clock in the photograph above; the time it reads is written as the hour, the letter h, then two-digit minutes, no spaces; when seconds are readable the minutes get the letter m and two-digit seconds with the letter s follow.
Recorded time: 12h10
